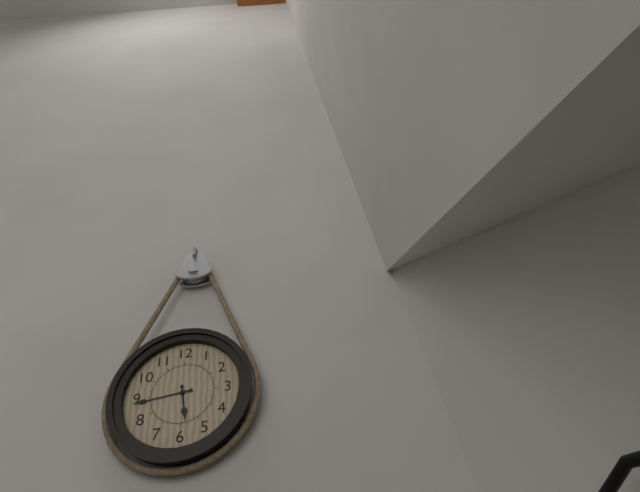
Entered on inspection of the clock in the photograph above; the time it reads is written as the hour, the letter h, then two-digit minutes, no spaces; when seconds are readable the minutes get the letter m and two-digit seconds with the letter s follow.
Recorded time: 5h44
